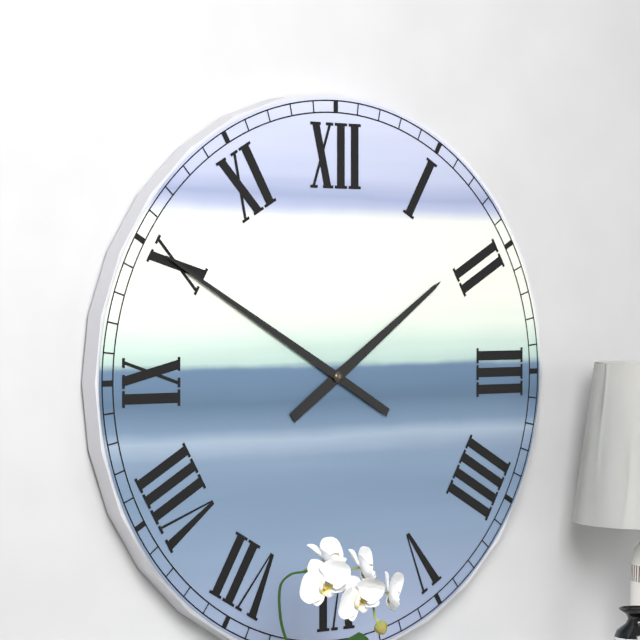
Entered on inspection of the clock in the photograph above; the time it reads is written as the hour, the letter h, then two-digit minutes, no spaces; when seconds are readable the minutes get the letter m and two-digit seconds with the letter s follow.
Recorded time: 1h50
